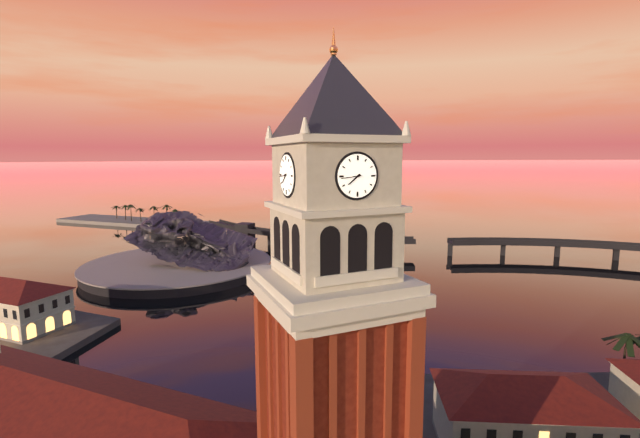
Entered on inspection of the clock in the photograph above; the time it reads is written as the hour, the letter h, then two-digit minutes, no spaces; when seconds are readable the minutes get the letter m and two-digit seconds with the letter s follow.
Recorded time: 7h44
